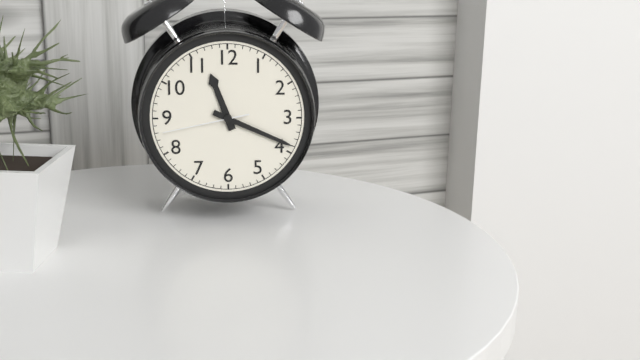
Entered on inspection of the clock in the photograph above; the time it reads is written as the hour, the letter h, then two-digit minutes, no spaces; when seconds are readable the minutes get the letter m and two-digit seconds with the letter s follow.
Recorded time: 11h19m43s
